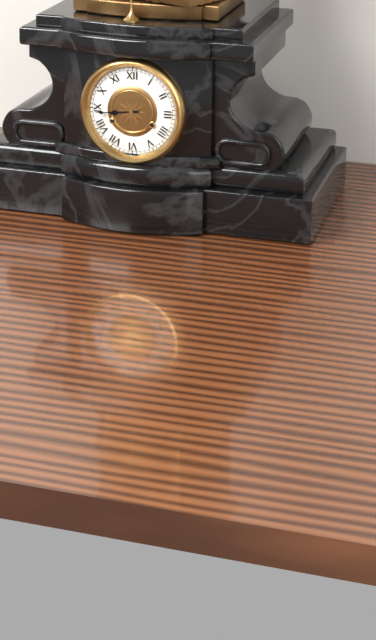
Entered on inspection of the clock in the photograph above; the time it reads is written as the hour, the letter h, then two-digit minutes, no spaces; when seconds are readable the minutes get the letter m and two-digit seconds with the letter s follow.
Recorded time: 8h44
